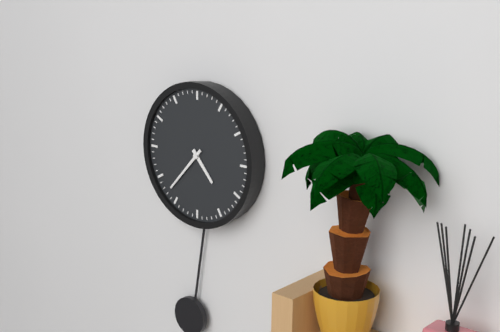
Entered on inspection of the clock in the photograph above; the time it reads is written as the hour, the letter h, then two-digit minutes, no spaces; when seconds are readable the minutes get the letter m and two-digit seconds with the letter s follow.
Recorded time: 4h37
